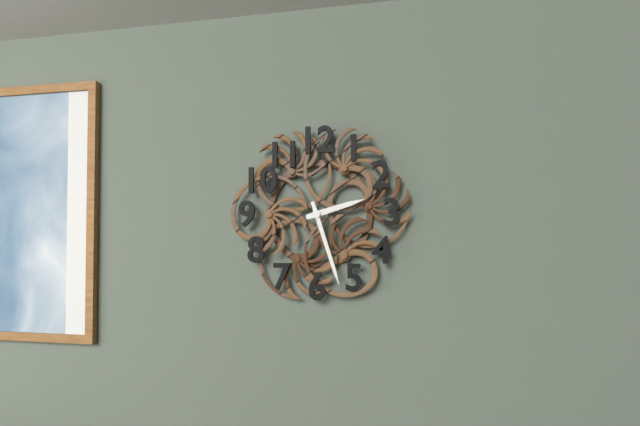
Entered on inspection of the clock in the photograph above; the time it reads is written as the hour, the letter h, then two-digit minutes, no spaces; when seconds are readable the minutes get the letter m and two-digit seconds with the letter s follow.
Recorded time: 2h27
